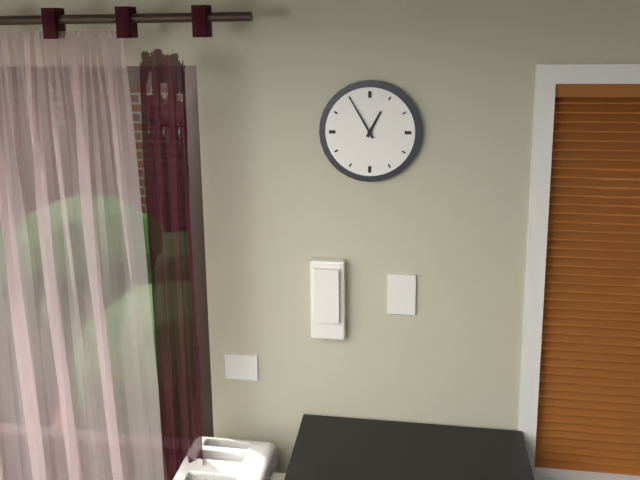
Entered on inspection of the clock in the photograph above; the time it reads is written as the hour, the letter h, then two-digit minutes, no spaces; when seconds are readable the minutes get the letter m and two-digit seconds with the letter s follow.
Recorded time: 12h55
